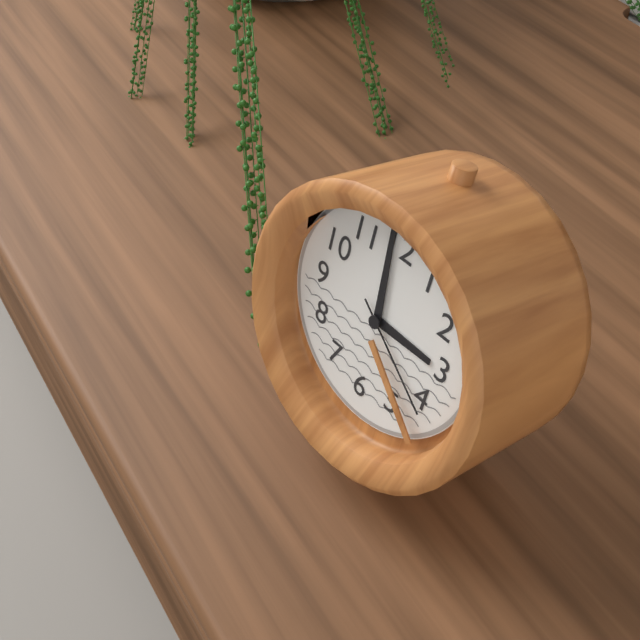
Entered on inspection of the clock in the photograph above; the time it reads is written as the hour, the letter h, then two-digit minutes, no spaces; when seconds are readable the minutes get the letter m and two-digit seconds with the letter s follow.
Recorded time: 2h59m21s
